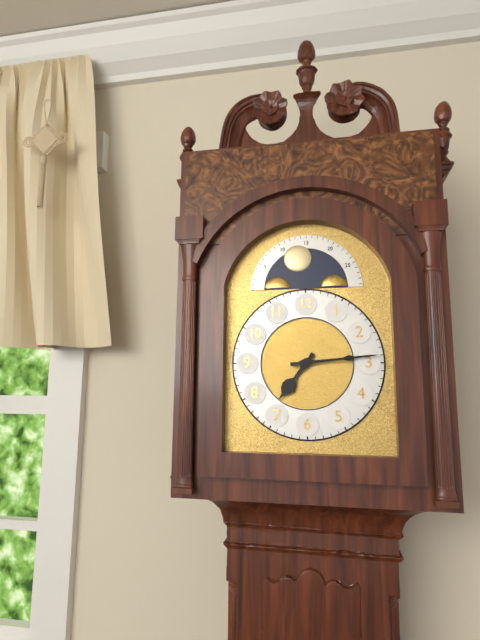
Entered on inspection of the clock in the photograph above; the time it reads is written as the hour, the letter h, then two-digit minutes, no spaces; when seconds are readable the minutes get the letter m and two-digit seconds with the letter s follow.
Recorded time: 7h14
